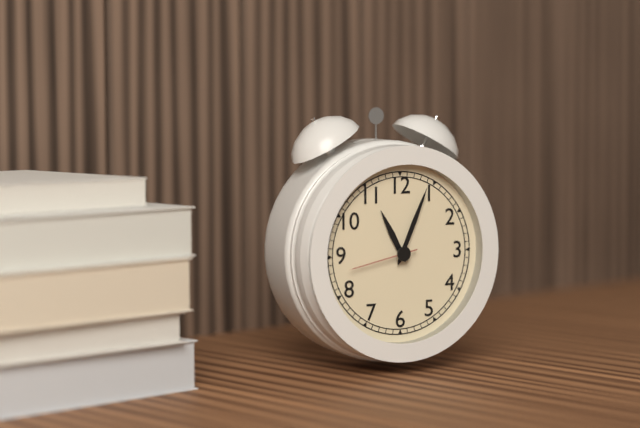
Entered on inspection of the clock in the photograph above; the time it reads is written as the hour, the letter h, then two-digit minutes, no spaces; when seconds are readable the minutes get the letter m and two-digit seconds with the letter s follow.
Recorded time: 11h04m43s
